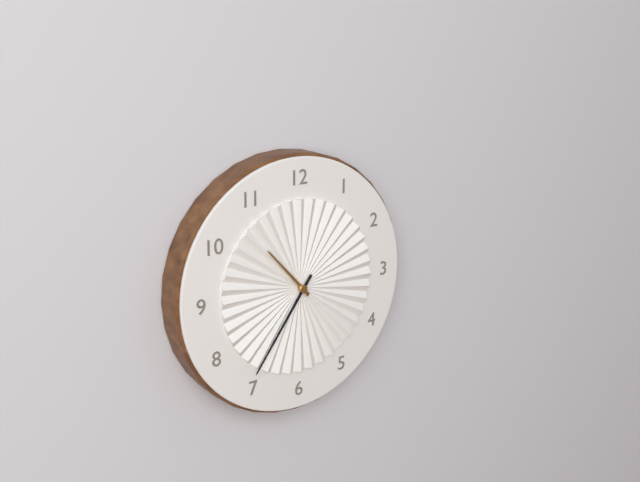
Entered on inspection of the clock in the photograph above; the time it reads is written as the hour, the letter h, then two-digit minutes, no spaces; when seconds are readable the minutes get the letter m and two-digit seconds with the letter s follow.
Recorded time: 10h36
